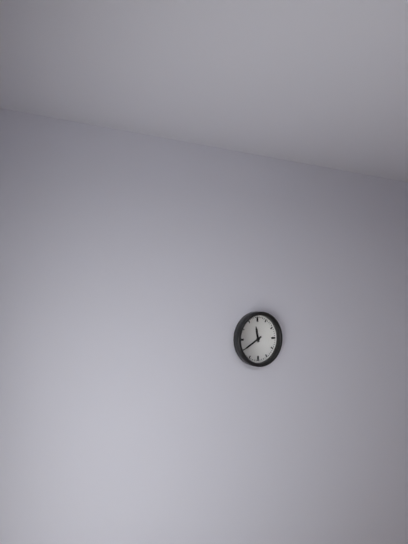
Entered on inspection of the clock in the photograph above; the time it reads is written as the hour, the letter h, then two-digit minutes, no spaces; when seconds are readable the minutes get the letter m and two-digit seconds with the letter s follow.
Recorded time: 11h40
